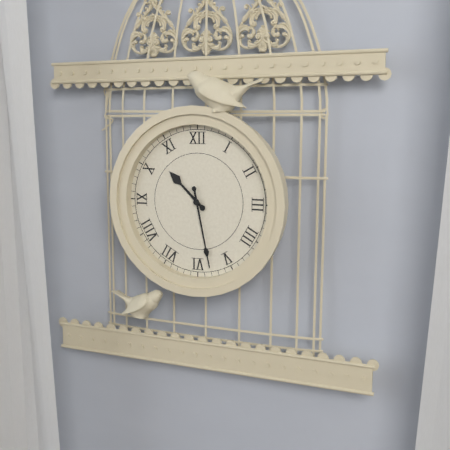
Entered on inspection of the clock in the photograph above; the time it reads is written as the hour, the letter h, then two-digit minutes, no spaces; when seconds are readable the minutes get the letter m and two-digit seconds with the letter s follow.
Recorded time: 10h28
